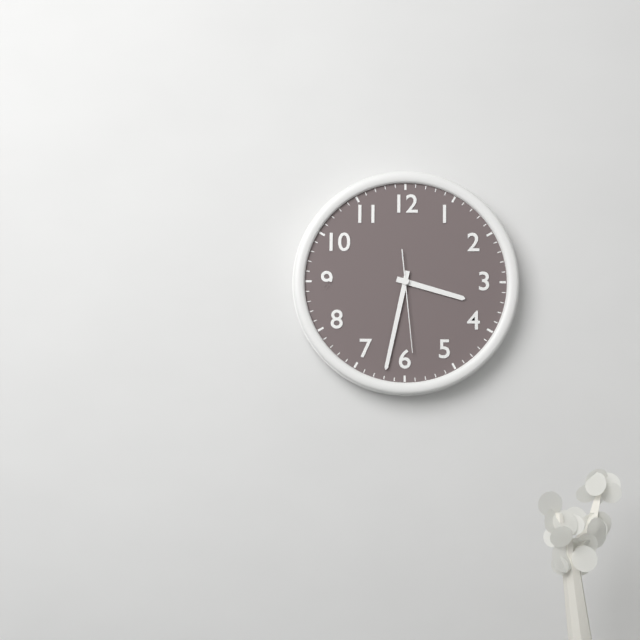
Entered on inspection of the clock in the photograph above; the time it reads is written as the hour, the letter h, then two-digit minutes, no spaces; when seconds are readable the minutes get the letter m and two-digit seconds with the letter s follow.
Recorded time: 3h32m29s
